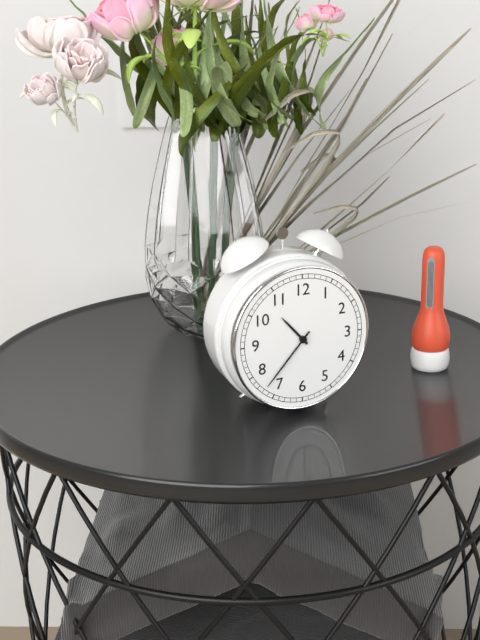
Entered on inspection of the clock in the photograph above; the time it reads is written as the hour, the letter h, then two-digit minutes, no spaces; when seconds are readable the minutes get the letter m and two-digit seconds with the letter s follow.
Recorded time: 10h37
